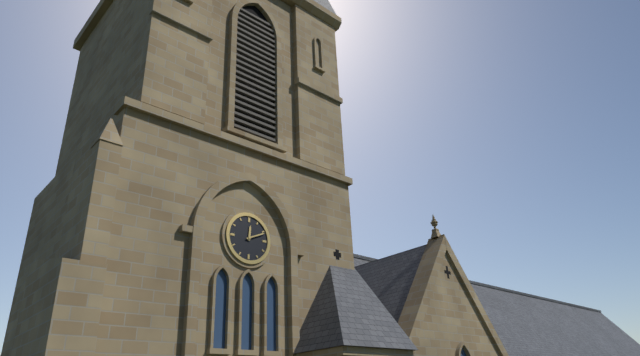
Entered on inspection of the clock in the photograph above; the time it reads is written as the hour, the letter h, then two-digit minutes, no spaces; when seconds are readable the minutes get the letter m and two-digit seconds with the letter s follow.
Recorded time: 12h11
